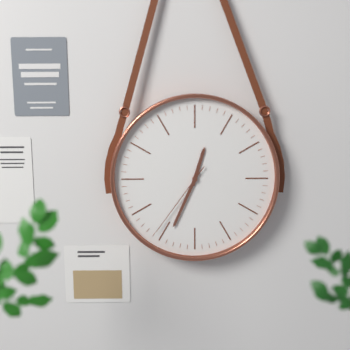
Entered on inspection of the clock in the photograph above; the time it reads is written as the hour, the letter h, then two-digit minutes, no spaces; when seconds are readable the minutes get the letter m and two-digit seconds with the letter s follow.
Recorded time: 12h34m36s
